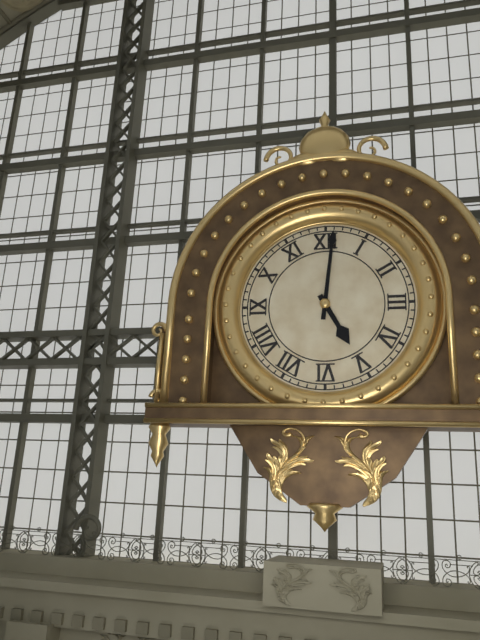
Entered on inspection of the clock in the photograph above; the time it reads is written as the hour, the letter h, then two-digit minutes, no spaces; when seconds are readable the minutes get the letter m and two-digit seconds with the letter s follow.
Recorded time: 5h01
